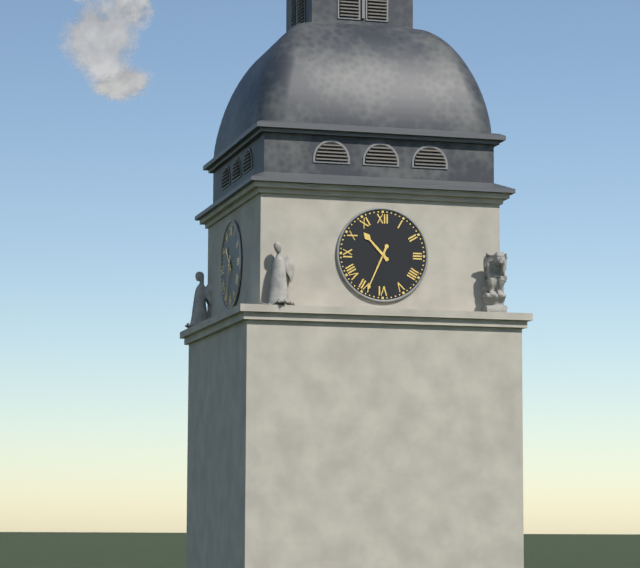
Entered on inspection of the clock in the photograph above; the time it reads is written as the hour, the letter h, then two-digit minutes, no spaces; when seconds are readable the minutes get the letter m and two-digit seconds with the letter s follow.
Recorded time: 10h34
